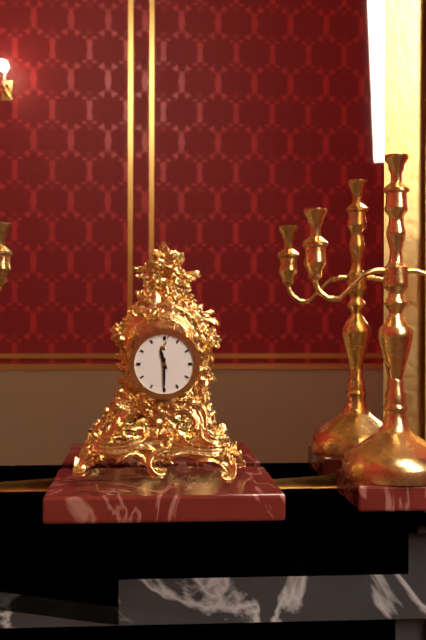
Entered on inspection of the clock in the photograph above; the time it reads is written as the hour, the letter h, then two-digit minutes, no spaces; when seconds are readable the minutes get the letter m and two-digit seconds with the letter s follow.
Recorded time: 11h30
